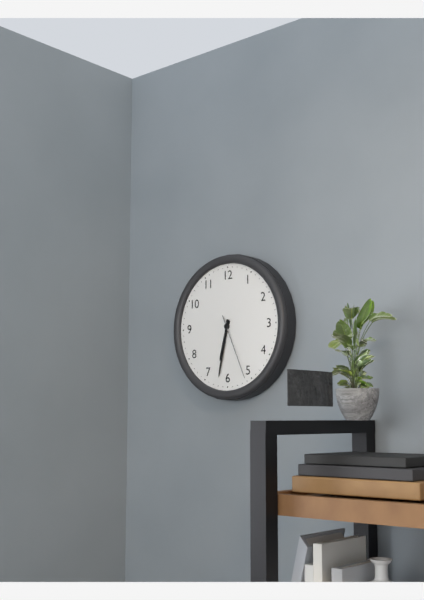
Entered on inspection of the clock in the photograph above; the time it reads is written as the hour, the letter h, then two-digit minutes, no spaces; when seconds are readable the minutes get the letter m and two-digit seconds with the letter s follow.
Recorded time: 6h32m26s
